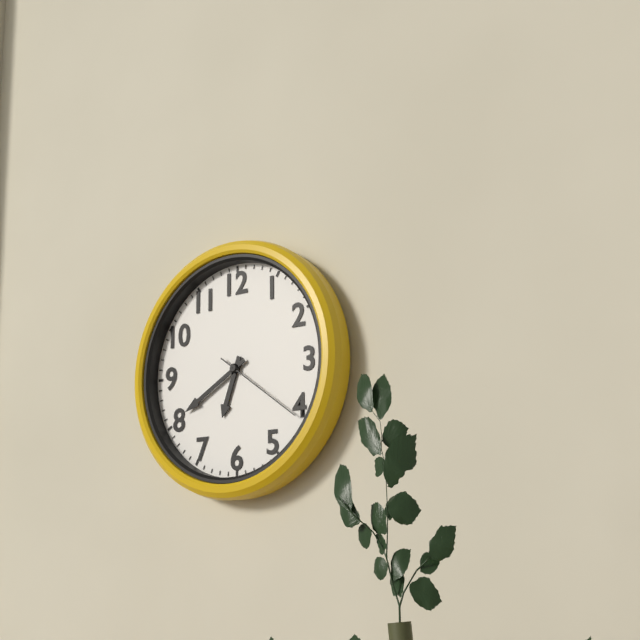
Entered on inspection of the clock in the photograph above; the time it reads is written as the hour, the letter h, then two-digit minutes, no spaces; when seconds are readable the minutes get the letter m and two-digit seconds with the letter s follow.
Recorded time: 6h40m21s
